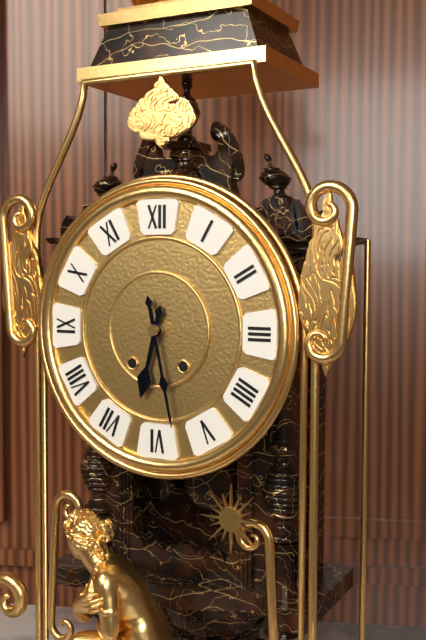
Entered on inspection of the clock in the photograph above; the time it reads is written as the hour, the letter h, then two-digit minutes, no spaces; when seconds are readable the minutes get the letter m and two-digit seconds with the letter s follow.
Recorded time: 6h28
